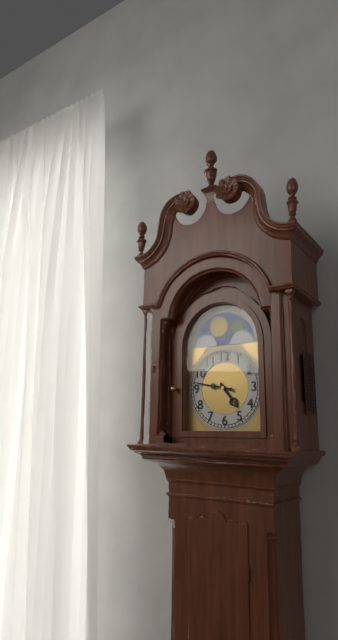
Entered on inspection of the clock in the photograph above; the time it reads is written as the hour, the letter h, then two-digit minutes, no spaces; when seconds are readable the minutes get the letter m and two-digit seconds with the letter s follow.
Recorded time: 4h47
